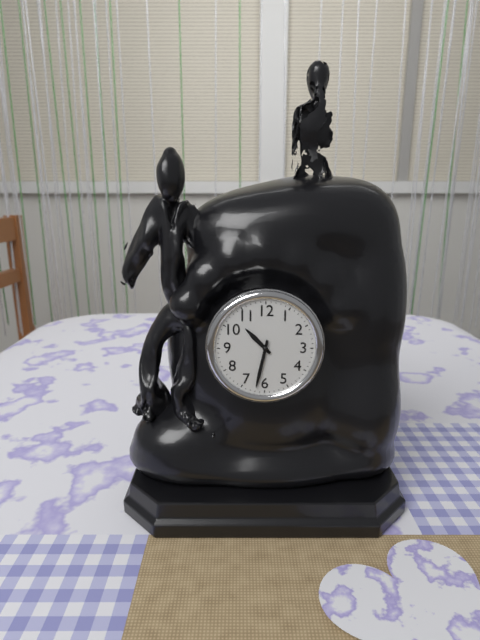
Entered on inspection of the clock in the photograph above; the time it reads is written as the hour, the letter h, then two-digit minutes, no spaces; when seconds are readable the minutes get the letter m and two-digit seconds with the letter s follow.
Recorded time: 10h32
